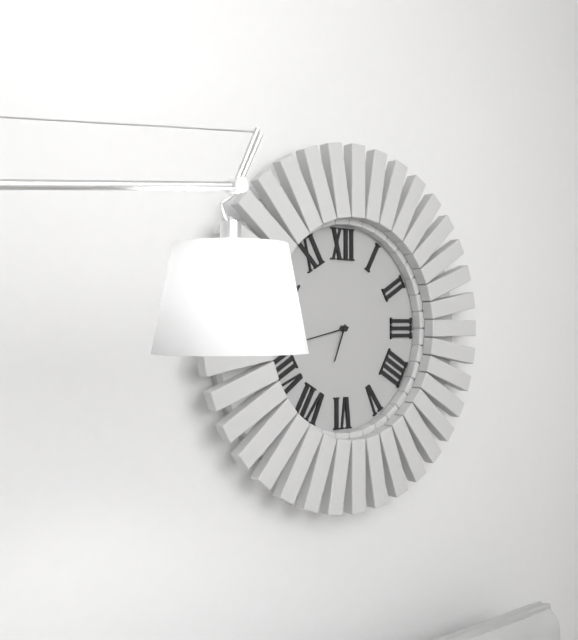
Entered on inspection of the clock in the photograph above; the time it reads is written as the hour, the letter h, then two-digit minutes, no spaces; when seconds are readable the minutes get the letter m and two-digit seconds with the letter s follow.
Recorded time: 6h43
